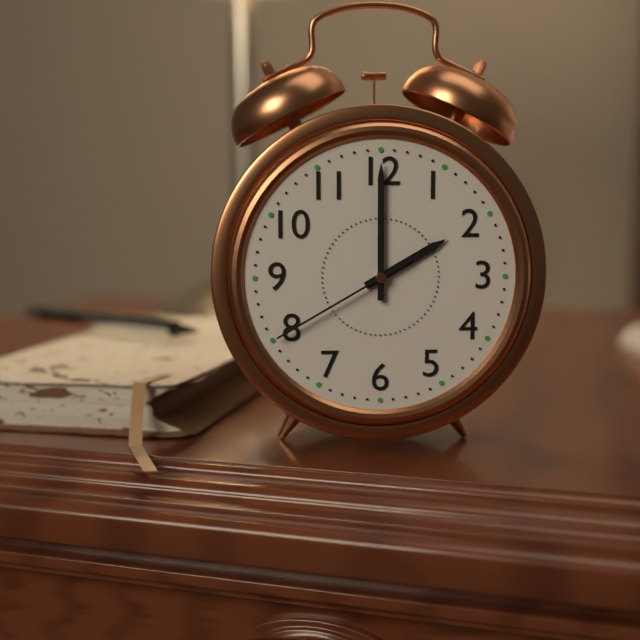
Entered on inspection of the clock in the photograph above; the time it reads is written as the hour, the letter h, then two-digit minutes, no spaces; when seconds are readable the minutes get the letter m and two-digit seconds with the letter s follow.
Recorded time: 2h00m40s
